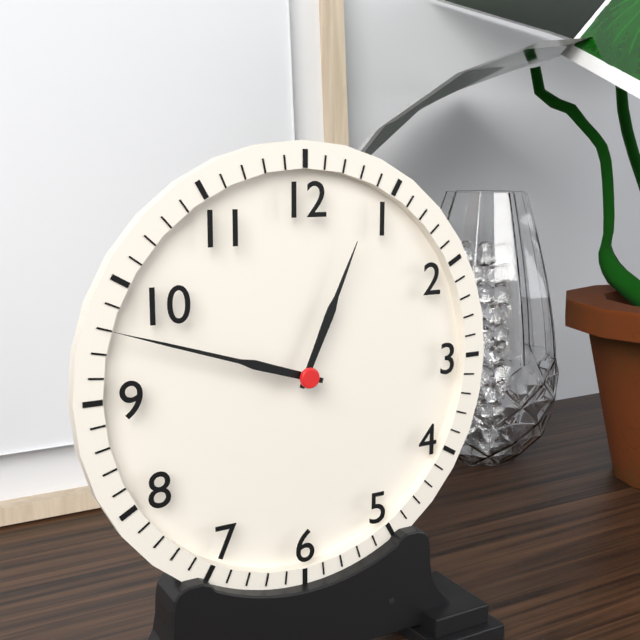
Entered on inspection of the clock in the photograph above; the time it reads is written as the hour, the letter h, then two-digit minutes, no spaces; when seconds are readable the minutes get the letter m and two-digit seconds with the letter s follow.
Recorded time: 12h48
